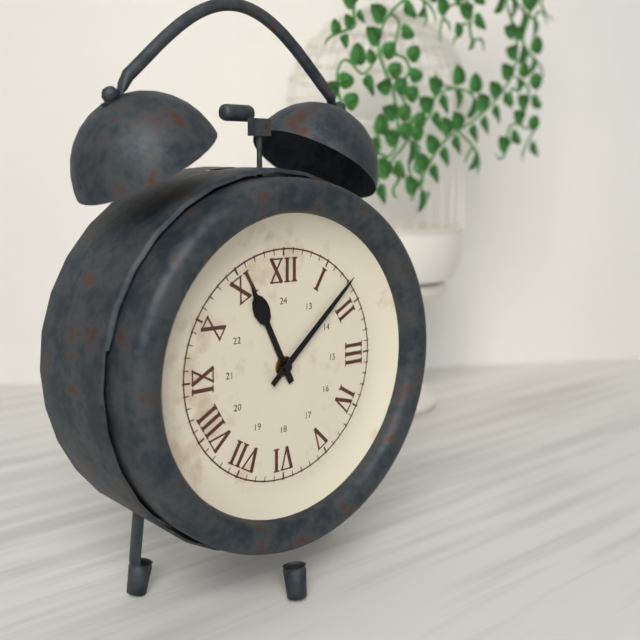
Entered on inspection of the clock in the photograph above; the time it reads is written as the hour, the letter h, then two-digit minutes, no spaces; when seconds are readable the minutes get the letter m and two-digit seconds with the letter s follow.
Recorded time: 11h08
